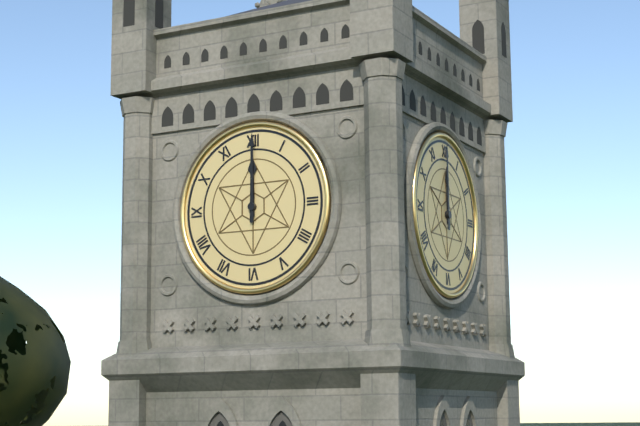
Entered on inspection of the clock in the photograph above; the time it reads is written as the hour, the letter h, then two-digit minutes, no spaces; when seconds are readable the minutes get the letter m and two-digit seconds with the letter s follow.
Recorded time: 12h00
